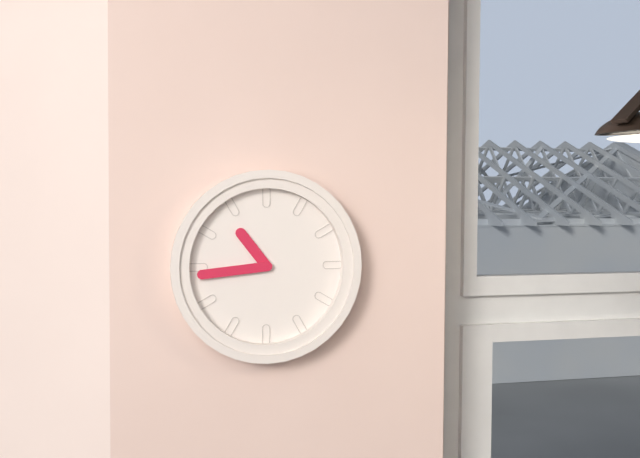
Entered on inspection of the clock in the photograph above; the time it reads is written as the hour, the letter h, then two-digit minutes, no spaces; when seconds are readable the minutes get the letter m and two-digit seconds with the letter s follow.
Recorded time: 10h44
